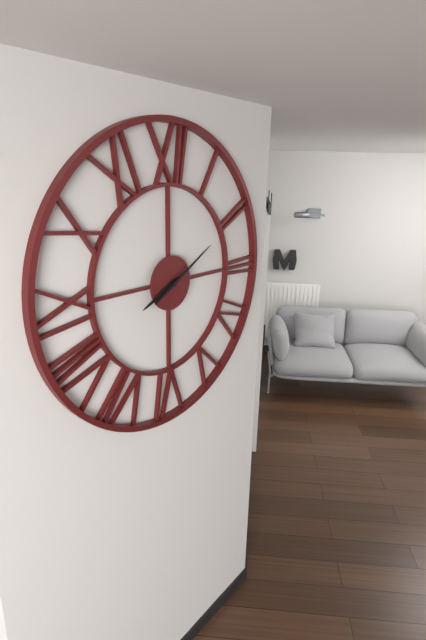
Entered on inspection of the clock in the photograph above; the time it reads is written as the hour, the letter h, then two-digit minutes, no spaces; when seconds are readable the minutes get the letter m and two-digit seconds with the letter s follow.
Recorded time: 8h10
